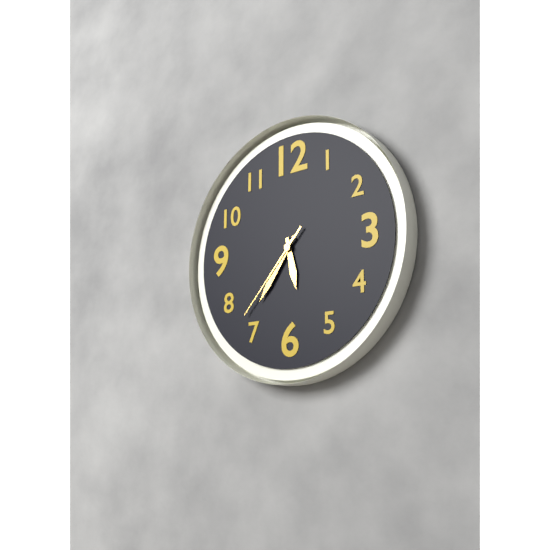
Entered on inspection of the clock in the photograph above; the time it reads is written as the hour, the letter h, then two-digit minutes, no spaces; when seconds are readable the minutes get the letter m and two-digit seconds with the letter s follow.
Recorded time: 5h36m37s
